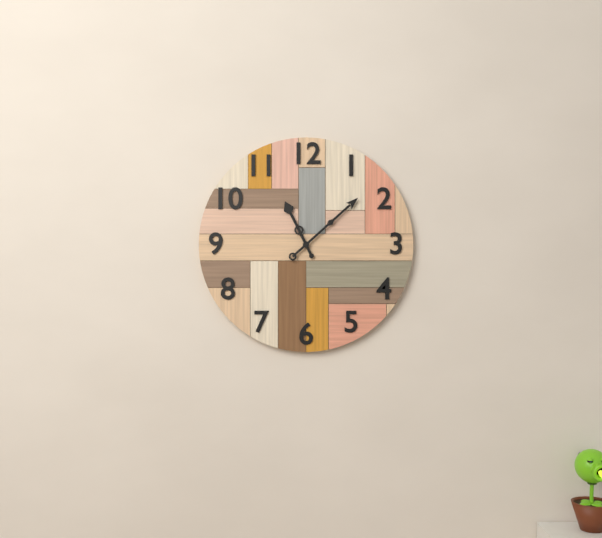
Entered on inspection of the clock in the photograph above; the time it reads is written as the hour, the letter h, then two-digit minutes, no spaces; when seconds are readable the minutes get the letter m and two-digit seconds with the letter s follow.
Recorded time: 11h08
